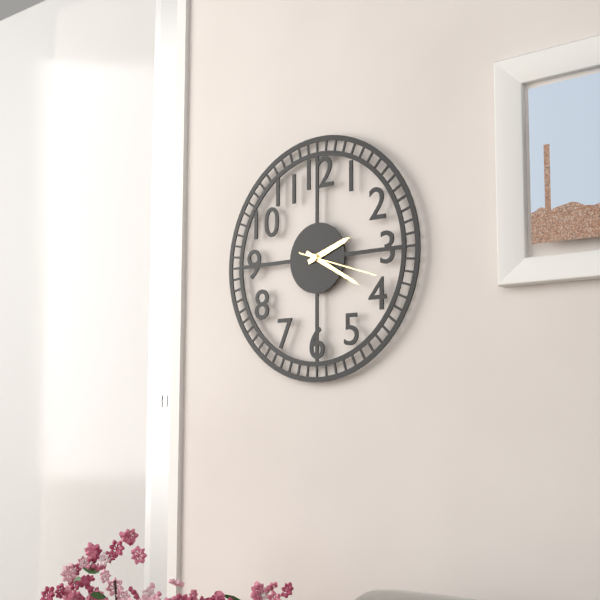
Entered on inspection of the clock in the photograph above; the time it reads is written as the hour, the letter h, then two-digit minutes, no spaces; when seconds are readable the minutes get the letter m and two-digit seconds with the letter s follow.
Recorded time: 2h20m18s
